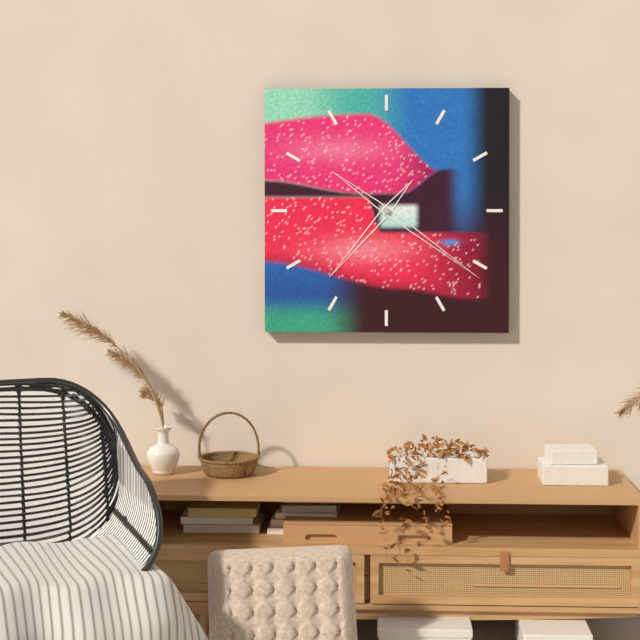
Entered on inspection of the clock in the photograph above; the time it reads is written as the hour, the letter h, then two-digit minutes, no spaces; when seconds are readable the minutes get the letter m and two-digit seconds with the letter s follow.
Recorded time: 7h21
